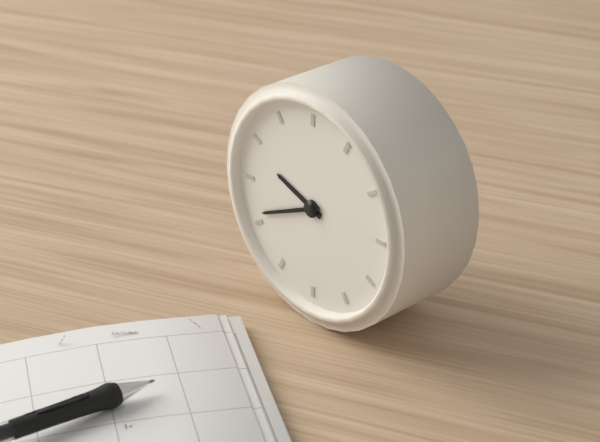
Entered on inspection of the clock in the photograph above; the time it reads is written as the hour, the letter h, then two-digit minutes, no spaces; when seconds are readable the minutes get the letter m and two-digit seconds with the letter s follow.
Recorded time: 9h41
